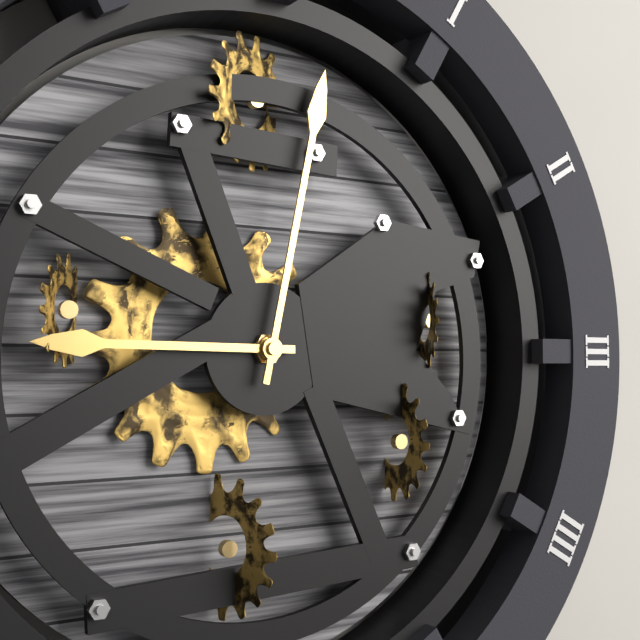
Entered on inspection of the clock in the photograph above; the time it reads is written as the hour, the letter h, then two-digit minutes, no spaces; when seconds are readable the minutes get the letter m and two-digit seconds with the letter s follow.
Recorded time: 9h02
